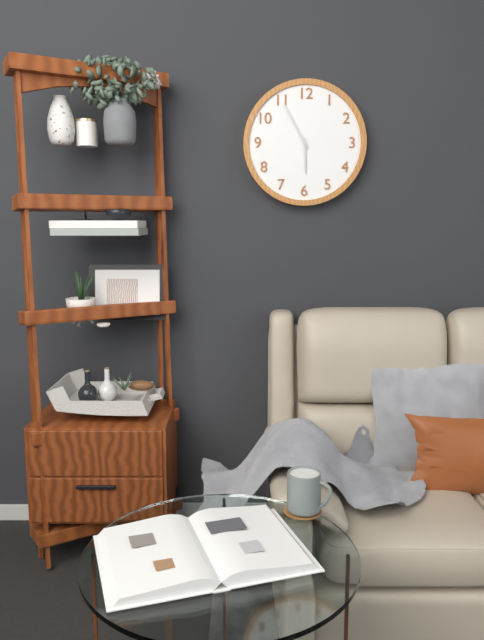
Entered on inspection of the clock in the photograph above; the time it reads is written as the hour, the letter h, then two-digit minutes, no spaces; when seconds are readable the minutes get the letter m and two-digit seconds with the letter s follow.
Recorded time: 5h55
